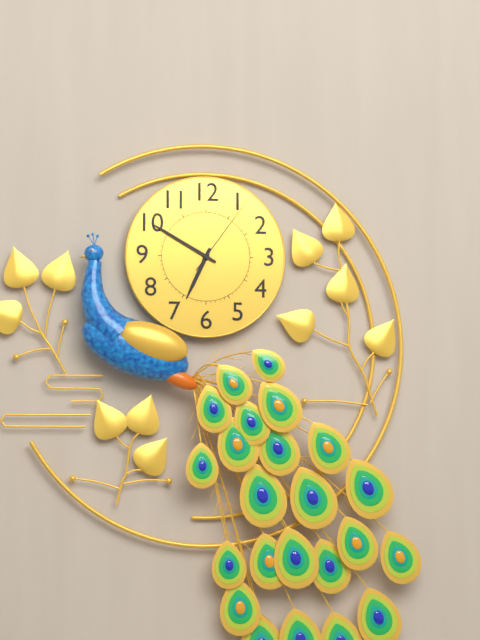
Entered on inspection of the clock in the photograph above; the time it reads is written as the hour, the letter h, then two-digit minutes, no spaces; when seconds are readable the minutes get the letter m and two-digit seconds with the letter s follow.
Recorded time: 6h50m06s
